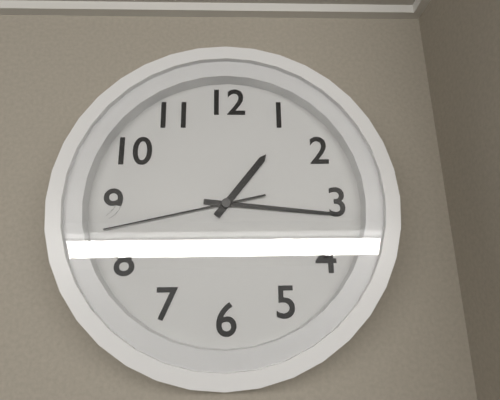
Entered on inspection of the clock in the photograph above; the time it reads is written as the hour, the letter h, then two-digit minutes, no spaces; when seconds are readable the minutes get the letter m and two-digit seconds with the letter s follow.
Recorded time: 1h16m43s
